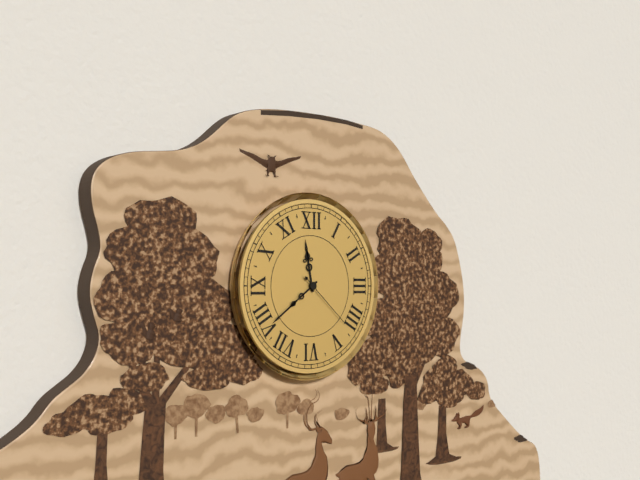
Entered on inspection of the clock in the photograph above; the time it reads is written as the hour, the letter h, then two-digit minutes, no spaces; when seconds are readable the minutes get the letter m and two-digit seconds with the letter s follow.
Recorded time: 11h39m22s
